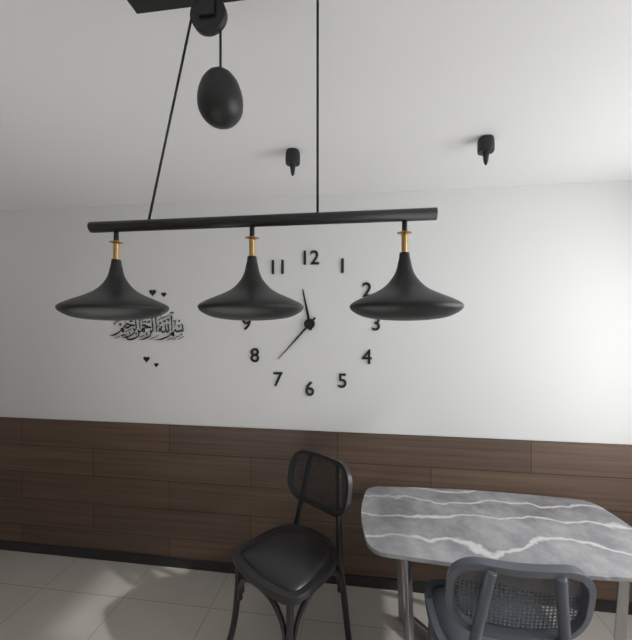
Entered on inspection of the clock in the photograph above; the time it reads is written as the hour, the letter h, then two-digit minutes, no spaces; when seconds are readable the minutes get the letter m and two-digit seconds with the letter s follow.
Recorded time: 11h37
